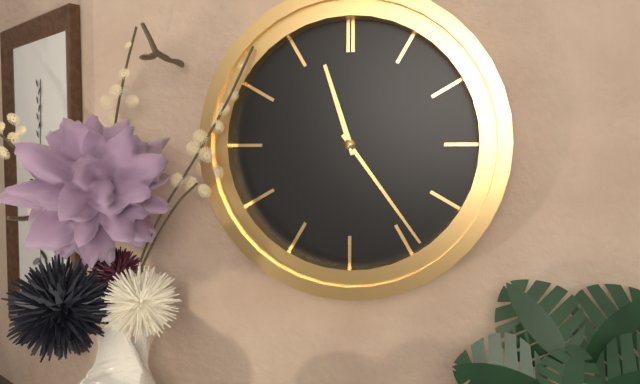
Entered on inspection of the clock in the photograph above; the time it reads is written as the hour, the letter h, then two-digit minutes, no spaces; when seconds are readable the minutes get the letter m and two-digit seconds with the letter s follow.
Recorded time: 11h24
